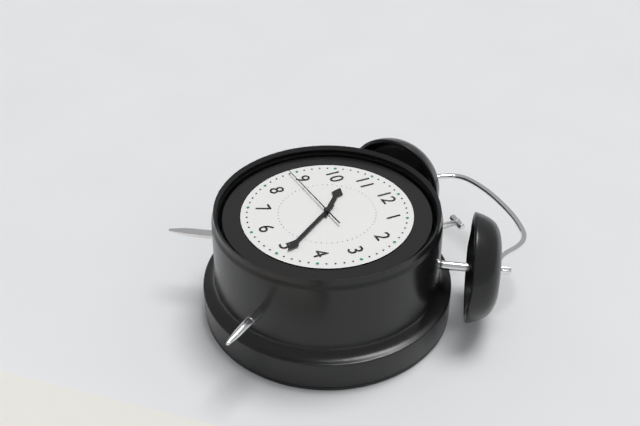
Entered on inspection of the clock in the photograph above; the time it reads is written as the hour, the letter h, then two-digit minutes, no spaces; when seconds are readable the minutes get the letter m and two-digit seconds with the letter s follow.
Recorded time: 10h24m44s
